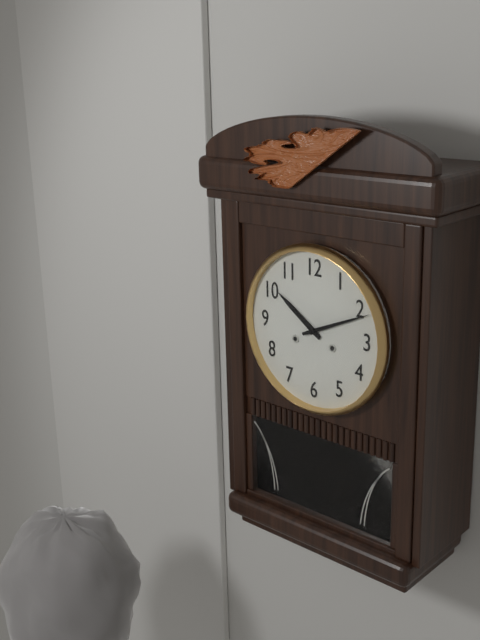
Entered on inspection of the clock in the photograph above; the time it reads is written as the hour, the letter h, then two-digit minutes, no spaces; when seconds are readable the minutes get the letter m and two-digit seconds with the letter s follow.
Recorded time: 10h11
